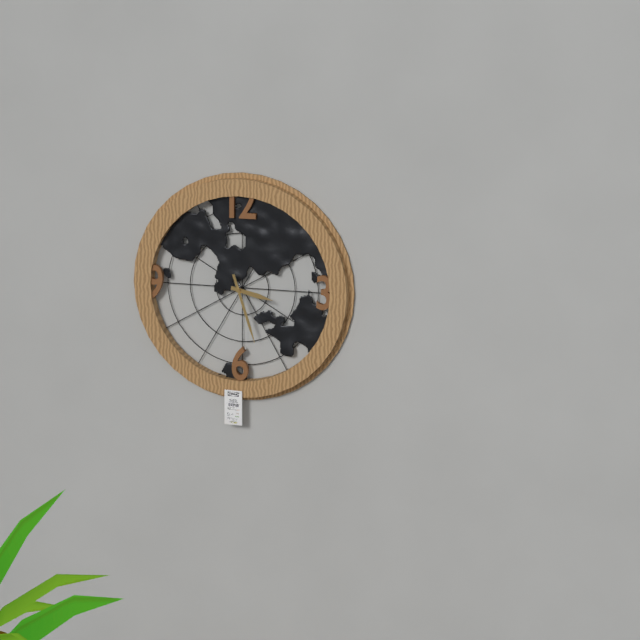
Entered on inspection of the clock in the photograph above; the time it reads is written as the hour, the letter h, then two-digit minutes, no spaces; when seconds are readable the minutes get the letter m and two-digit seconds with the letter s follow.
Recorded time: 3h27
